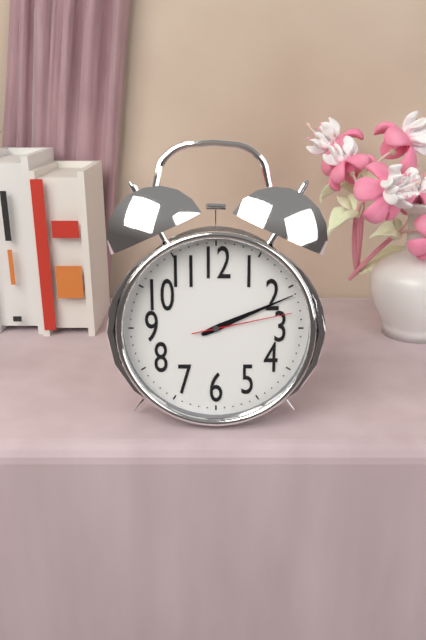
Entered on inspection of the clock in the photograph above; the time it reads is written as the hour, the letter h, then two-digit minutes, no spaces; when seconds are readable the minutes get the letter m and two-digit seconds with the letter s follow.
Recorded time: 2h11m13s
